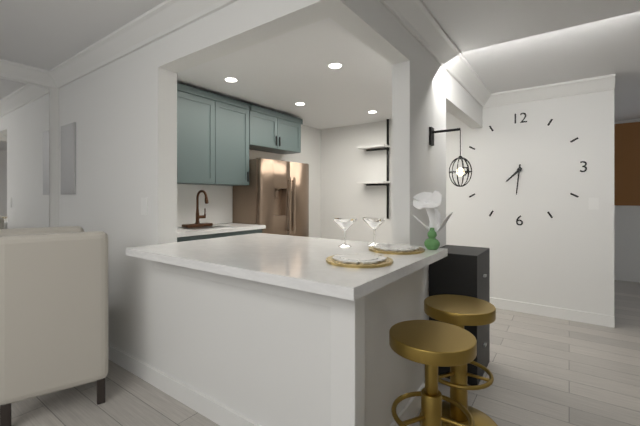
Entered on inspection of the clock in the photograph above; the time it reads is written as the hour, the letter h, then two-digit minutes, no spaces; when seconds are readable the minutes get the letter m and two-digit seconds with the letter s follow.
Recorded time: 7h31
